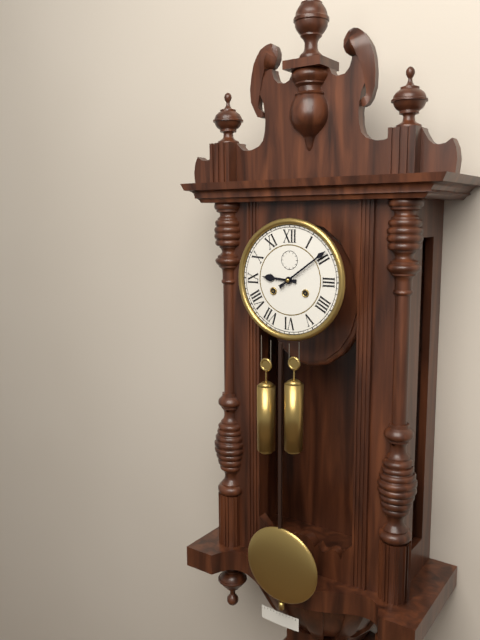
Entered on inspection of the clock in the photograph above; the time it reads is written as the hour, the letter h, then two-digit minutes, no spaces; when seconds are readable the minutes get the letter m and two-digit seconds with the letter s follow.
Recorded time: 9h09
